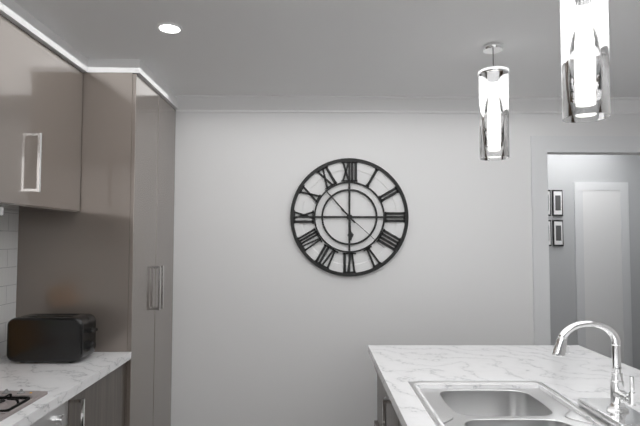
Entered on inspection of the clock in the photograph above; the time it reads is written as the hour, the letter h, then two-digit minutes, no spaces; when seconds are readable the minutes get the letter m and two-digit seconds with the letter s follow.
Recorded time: 5h53m22s
